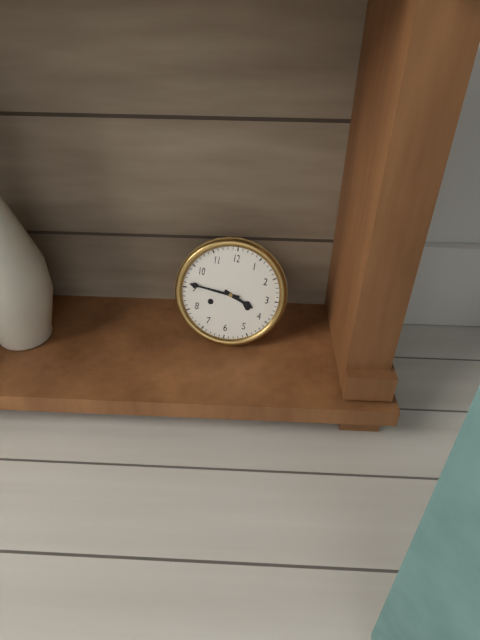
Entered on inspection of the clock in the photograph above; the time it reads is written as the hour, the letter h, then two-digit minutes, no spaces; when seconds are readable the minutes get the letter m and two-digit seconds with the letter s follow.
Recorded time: 3h46
